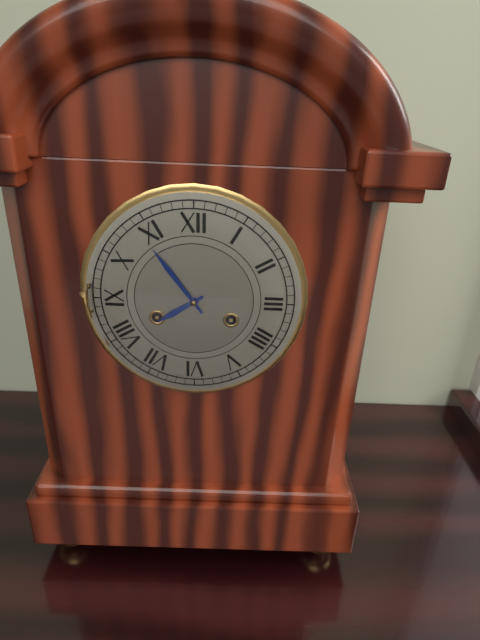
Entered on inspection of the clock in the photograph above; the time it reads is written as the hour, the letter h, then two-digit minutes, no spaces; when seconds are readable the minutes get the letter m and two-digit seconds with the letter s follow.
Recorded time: 7h54
